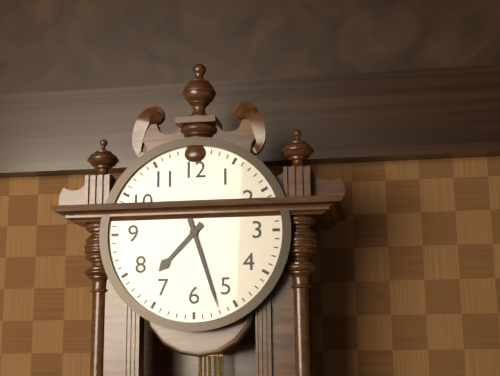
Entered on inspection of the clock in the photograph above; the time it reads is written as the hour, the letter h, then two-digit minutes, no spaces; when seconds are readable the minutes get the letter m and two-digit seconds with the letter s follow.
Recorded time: 7h27
